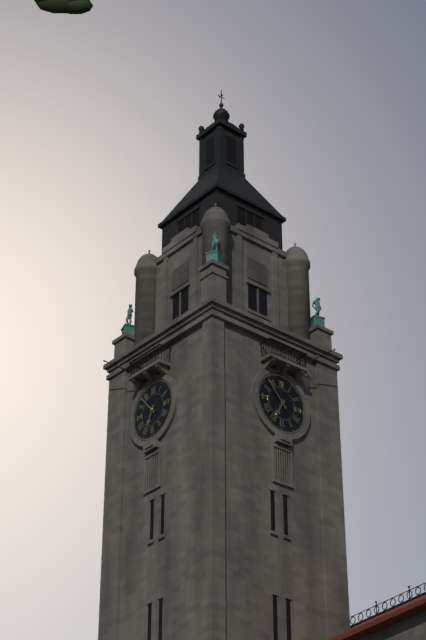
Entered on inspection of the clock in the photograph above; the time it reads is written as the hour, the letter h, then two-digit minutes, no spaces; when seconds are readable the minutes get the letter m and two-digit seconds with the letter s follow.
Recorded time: 6h53
